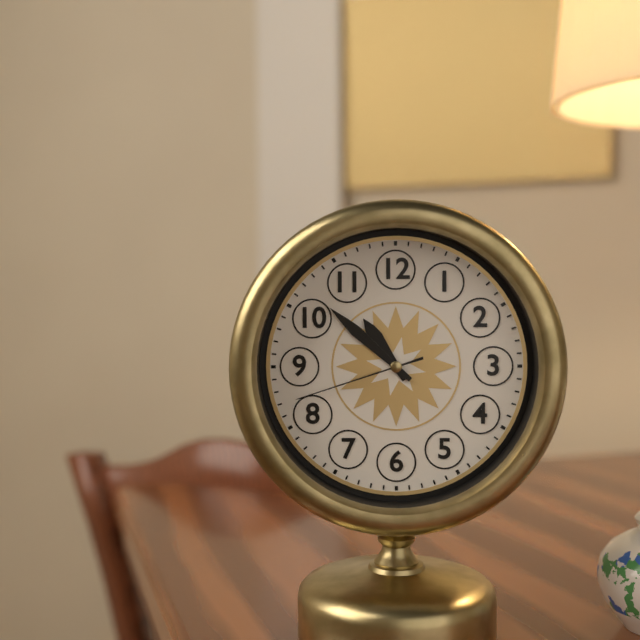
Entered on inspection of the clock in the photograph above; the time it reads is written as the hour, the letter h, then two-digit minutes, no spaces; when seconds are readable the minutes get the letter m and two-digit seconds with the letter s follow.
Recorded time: 10h52m42s
